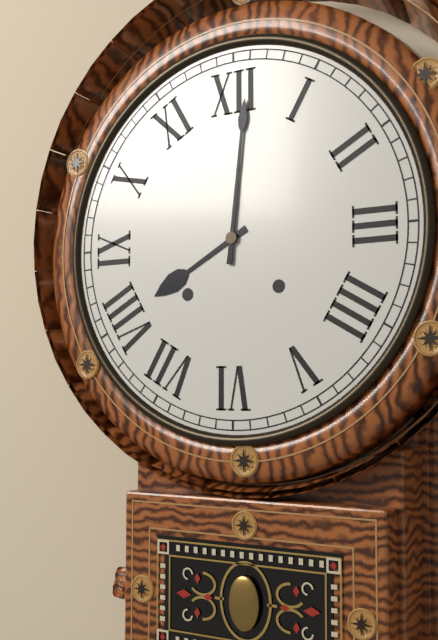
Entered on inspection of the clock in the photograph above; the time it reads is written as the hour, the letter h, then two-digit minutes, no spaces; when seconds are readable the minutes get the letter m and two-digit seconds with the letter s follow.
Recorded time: 8h01
